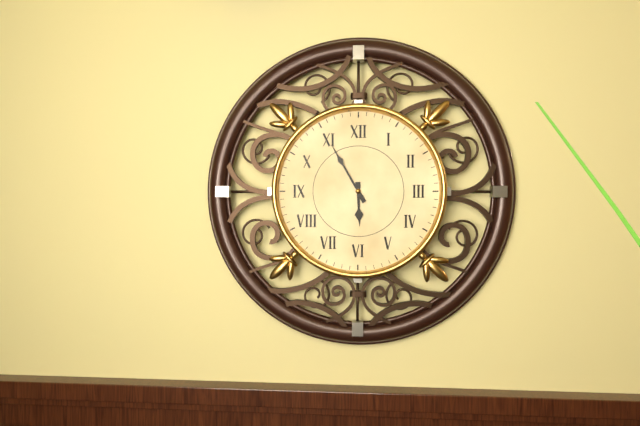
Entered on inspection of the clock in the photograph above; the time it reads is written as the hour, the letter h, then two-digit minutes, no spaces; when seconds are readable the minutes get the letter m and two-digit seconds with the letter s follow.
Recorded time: 5h55
